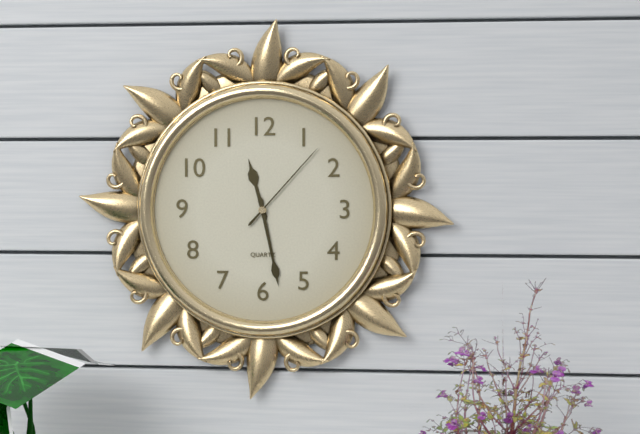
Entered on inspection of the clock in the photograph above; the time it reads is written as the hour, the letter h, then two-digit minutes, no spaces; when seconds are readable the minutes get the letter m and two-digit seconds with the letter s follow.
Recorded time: 11h28m07s
